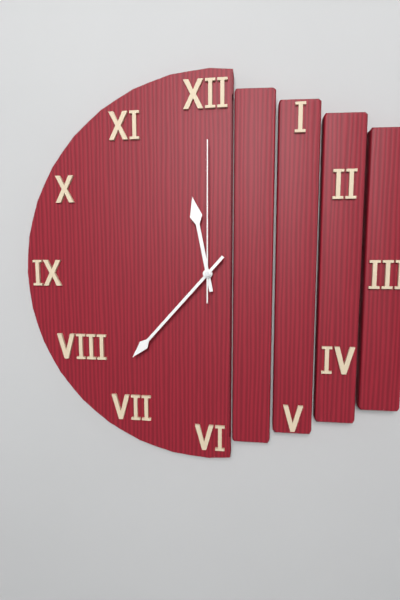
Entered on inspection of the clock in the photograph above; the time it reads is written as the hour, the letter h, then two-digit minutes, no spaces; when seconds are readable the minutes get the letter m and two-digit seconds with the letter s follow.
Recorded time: 11h37m00s
